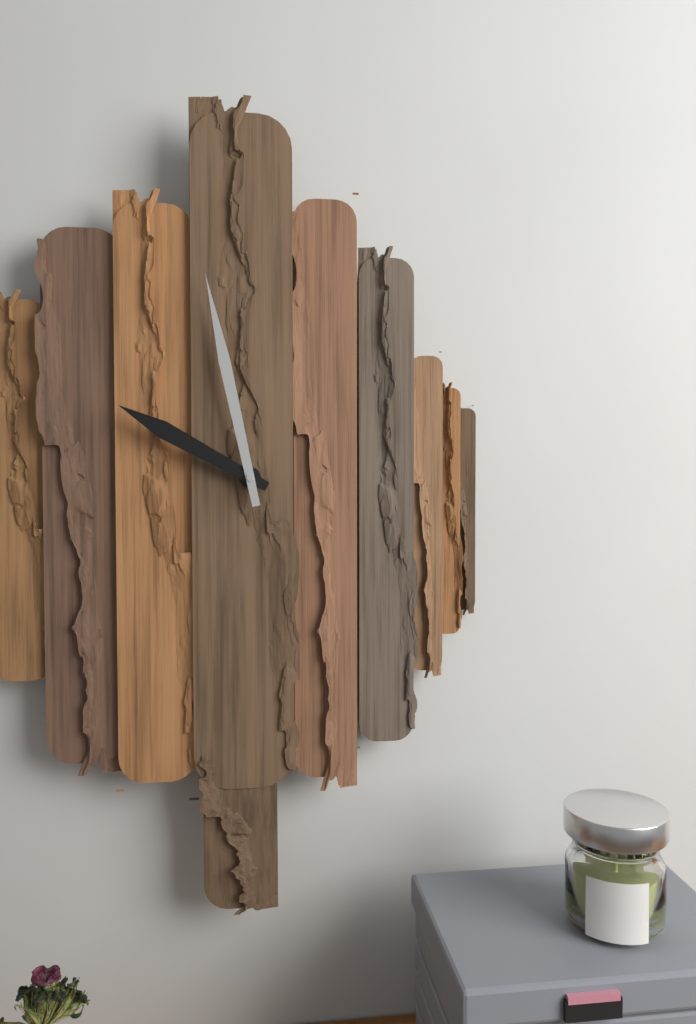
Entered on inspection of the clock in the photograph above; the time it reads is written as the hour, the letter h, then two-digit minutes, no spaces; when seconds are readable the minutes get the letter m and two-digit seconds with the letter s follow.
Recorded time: 9h58
